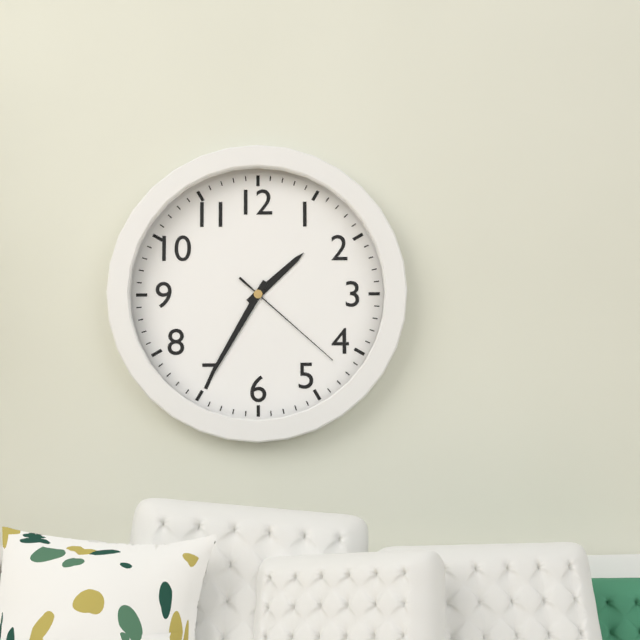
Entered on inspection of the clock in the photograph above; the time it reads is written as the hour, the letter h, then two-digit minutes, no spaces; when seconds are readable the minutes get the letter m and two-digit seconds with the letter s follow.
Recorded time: 1h35m22s
